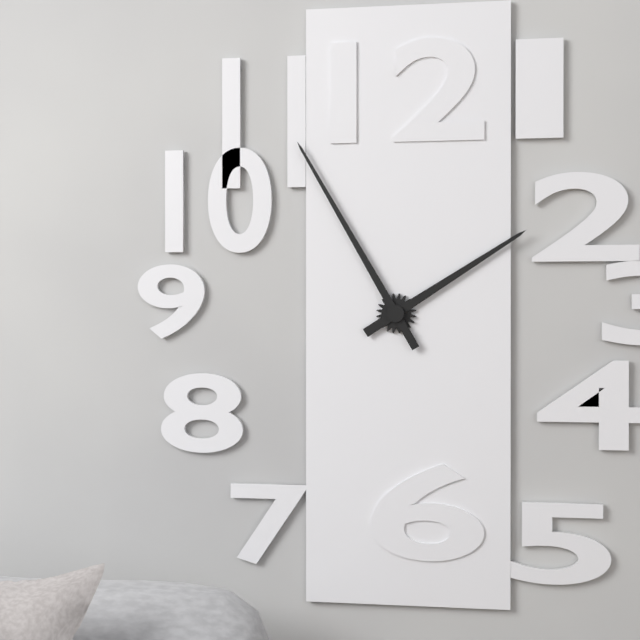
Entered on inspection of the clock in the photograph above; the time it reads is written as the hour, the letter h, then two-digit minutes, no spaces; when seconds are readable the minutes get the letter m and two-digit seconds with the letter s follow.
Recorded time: 1h55
